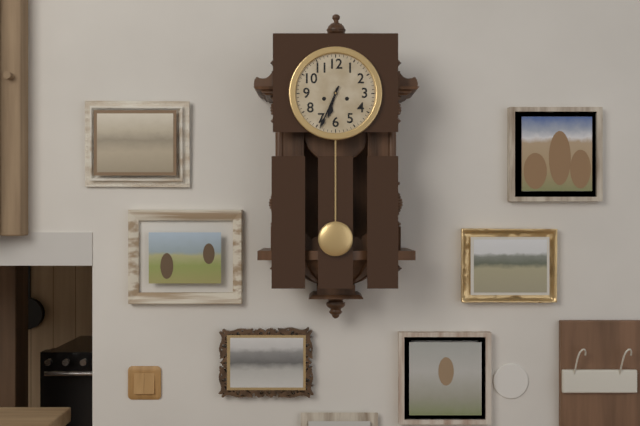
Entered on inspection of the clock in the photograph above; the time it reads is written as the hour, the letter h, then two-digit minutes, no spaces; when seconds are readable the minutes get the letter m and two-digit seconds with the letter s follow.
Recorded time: 6h34
